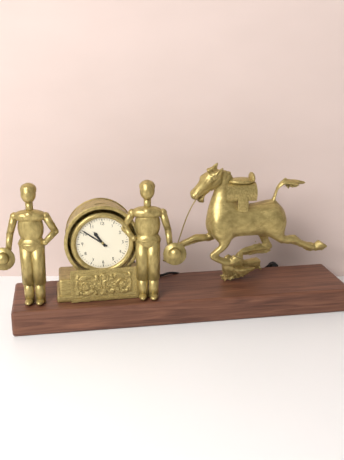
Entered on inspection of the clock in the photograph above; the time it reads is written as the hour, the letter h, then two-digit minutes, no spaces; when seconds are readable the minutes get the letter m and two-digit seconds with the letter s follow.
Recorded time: 10h51
